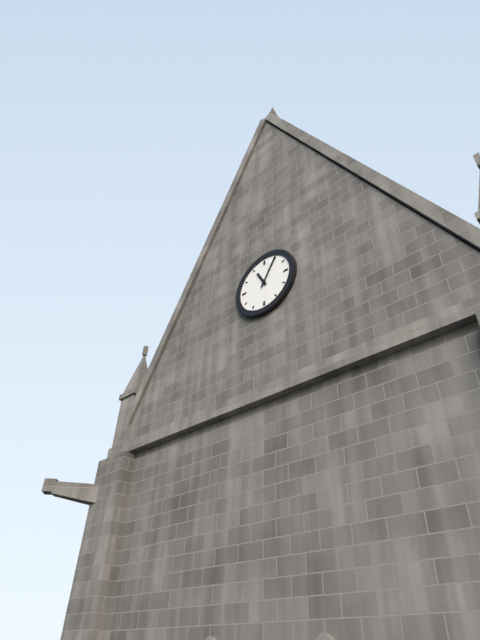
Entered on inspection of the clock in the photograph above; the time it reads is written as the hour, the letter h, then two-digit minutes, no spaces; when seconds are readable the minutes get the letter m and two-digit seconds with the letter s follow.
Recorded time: 11h05
